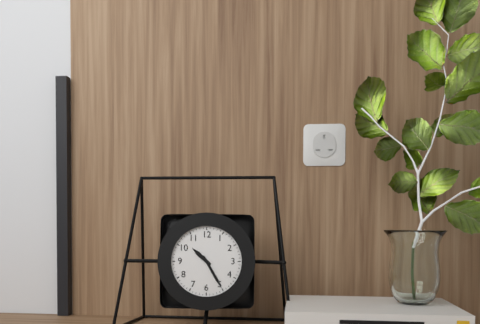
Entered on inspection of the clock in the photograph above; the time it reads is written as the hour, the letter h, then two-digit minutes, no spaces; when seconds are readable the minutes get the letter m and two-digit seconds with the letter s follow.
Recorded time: 10h25
